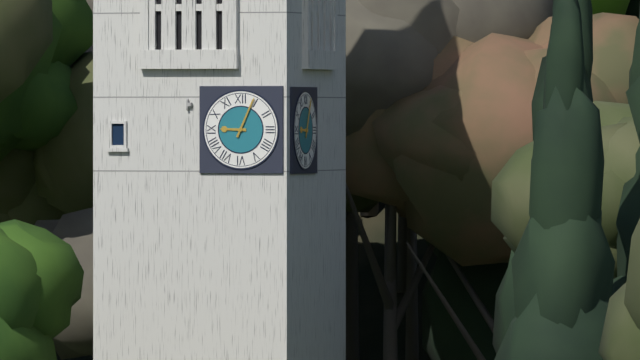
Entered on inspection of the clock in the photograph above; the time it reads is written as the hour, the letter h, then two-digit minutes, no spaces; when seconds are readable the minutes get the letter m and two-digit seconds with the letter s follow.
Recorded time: 9h04
